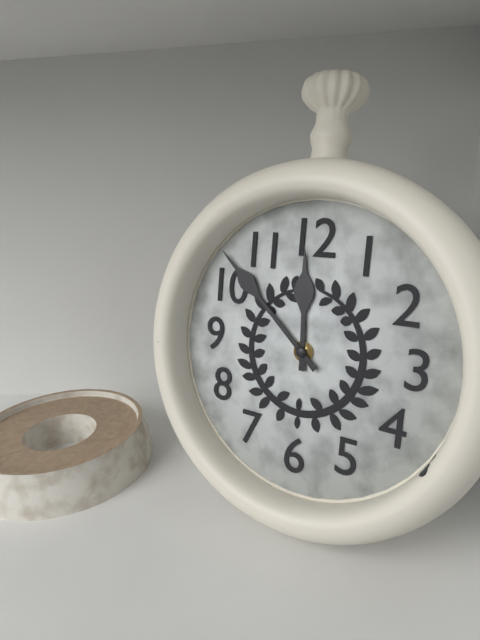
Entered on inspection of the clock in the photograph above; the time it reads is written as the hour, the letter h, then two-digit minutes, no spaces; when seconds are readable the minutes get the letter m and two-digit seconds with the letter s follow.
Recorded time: 11h52
